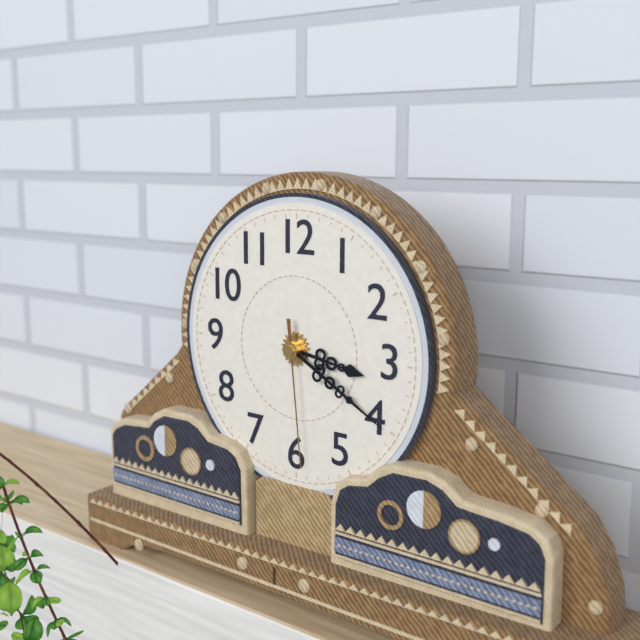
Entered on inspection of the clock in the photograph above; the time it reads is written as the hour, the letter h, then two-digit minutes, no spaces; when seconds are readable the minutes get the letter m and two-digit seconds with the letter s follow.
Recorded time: 3h20m29s
